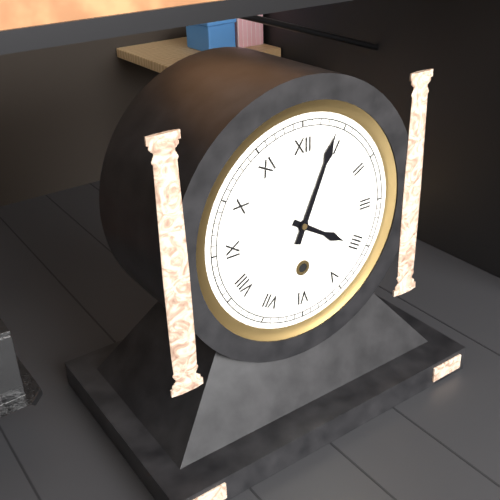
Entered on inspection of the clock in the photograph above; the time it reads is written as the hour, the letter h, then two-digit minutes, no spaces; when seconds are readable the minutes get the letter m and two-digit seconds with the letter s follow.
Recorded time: 4h04
